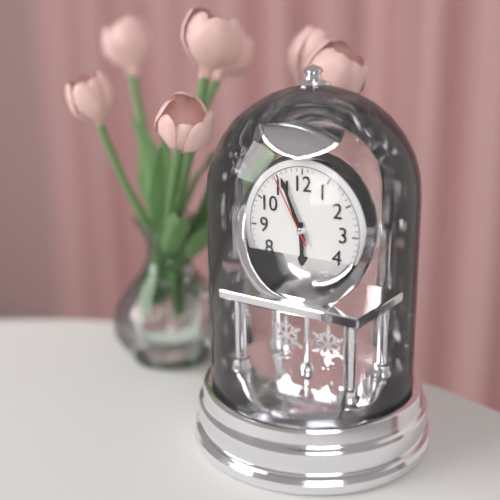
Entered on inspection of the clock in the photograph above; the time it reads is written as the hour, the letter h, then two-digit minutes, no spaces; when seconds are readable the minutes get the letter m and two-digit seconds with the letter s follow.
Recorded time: 5h56m55s
